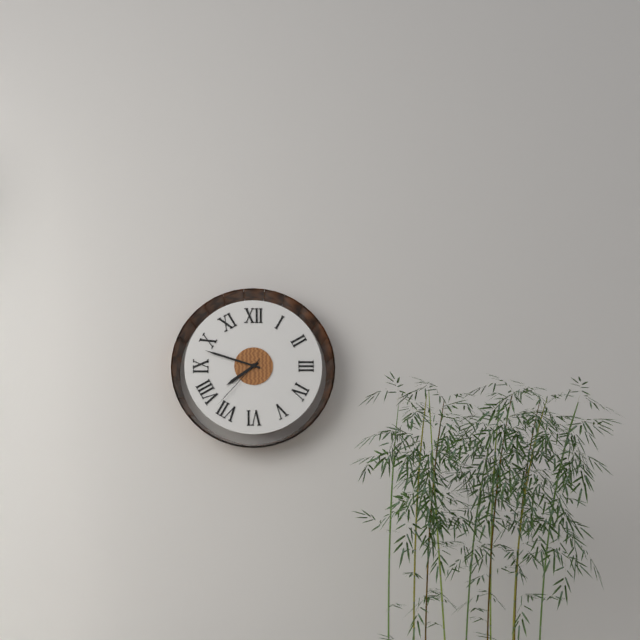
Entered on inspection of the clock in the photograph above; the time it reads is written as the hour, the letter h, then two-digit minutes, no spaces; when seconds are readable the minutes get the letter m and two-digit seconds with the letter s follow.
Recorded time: 7h48m37s
